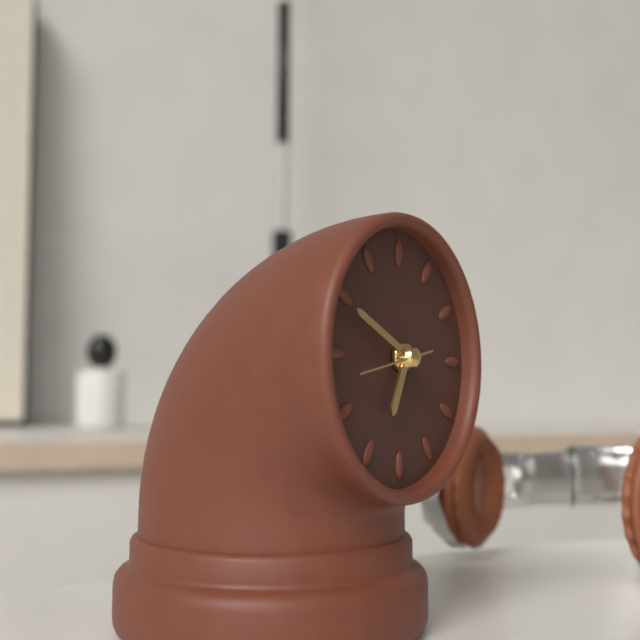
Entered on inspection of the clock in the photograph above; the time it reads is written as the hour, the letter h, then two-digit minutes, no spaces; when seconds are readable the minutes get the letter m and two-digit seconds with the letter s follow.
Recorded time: 6h49m43s
